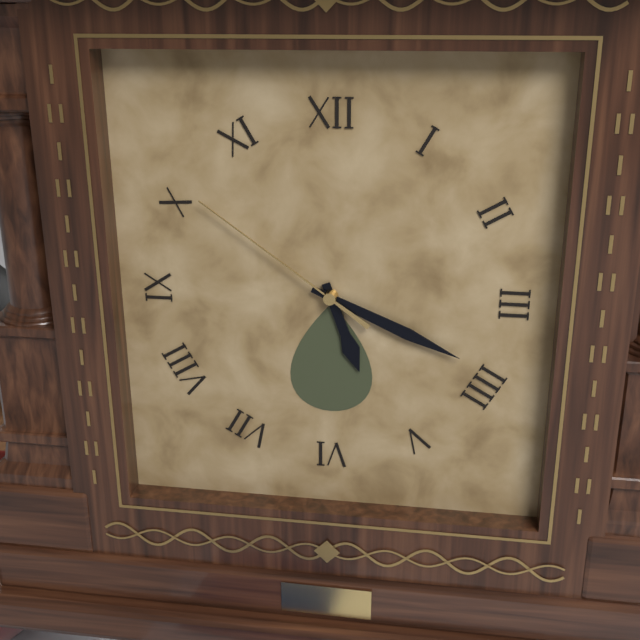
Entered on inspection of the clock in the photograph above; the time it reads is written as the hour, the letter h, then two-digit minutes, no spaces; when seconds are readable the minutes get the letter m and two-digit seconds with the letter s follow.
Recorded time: 5h19m51s
